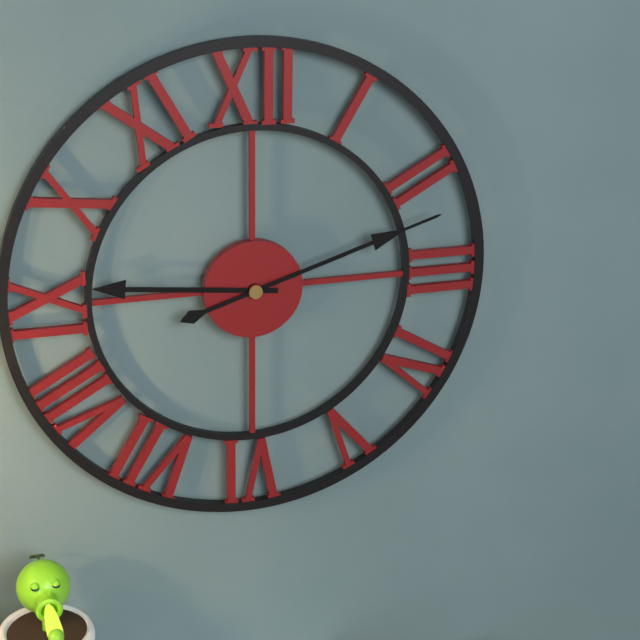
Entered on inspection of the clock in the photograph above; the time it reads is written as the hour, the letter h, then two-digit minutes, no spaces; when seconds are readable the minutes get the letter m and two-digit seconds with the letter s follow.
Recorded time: 9h12
